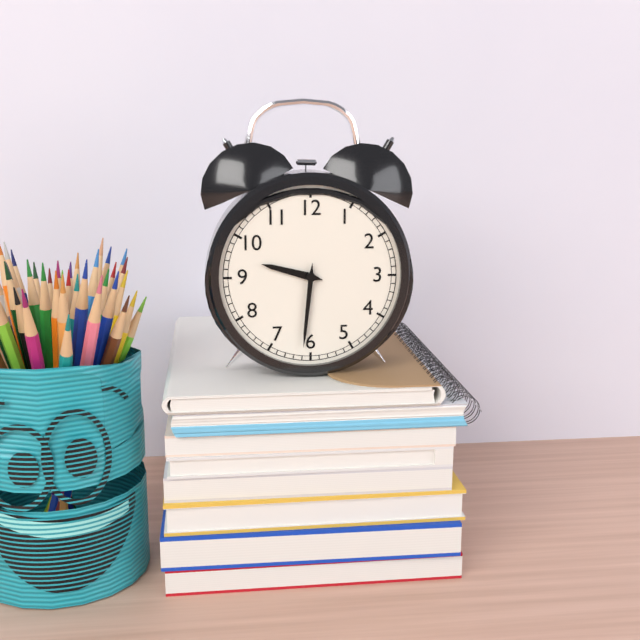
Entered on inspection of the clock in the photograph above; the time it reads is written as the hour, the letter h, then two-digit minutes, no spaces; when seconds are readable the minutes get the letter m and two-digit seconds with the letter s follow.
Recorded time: 9h31
